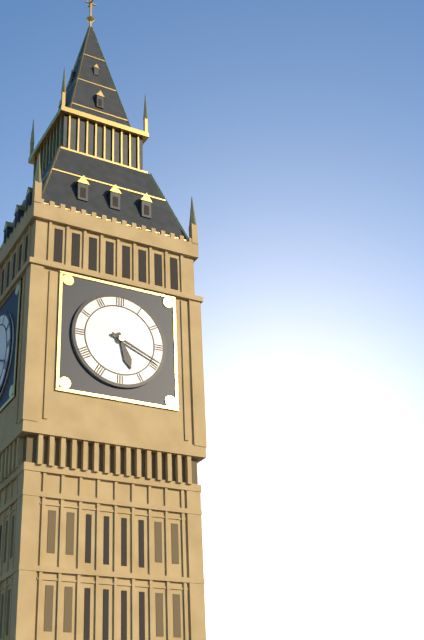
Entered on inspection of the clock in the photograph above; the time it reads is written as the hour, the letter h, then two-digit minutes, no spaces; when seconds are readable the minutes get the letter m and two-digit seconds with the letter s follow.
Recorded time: 5h19
